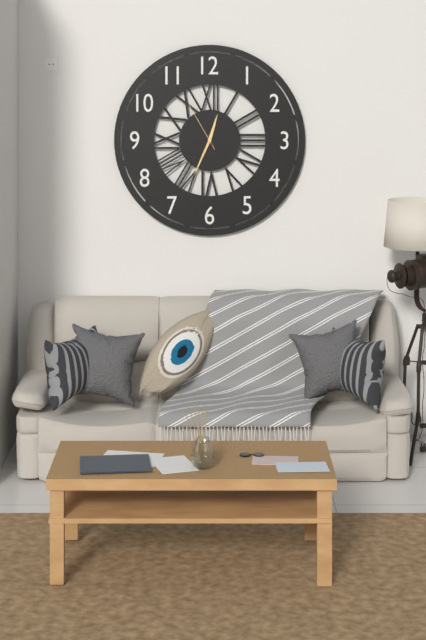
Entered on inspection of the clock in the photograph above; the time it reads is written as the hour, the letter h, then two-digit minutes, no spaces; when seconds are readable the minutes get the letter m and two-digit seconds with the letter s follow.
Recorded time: 12h34m55s
